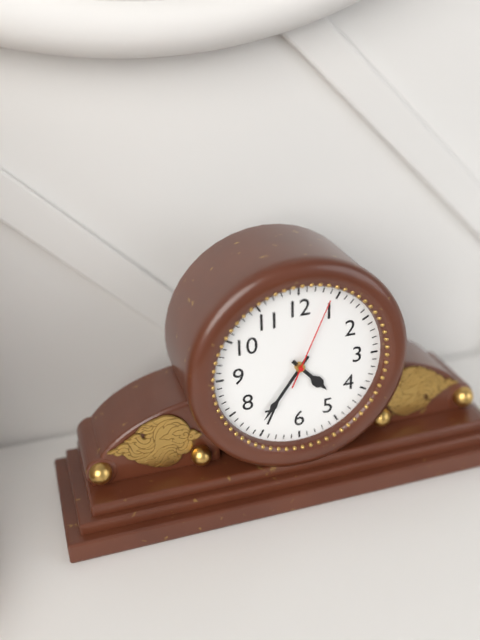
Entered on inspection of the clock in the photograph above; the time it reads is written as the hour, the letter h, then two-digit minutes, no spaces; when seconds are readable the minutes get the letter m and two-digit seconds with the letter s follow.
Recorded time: 4h36m04s
